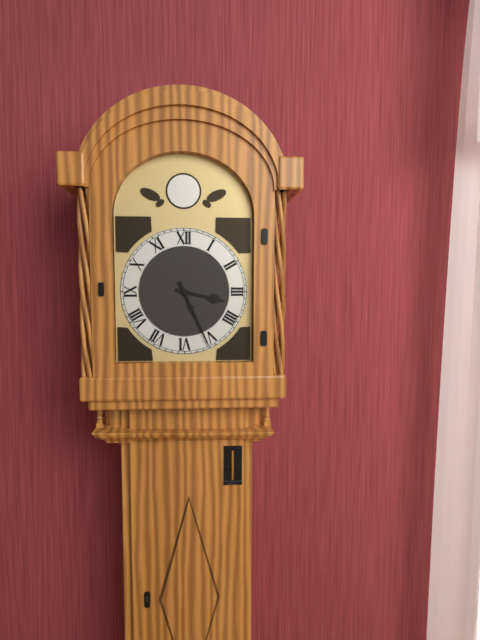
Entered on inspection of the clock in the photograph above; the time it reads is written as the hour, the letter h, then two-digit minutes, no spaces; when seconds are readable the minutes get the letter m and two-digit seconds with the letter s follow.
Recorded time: 3h26
